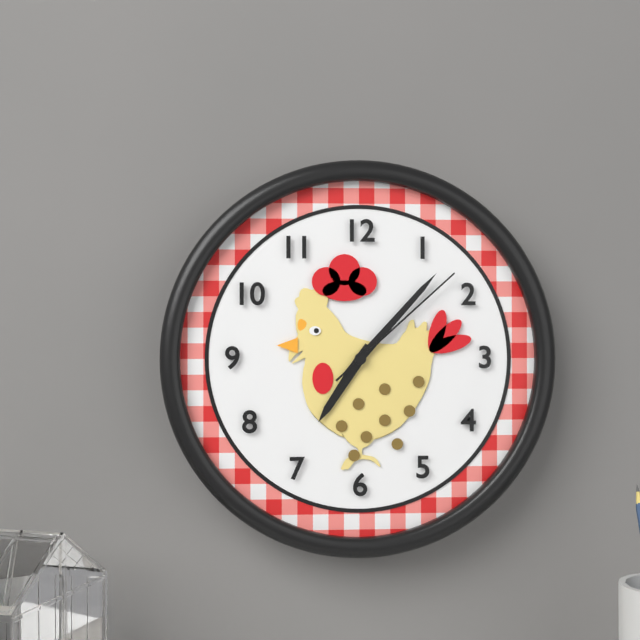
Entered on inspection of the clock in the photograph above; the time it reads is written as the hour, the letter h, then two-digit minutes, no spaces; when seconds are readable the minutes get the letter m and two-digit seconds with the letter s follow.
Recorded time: 7h07m08s
